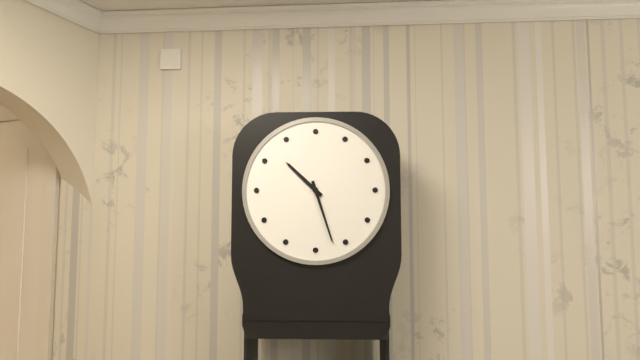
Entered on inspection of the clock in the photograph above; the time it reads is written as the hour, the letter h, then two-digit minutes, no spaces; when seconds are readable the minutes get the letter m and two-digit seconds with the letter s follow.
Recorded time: 10h27
